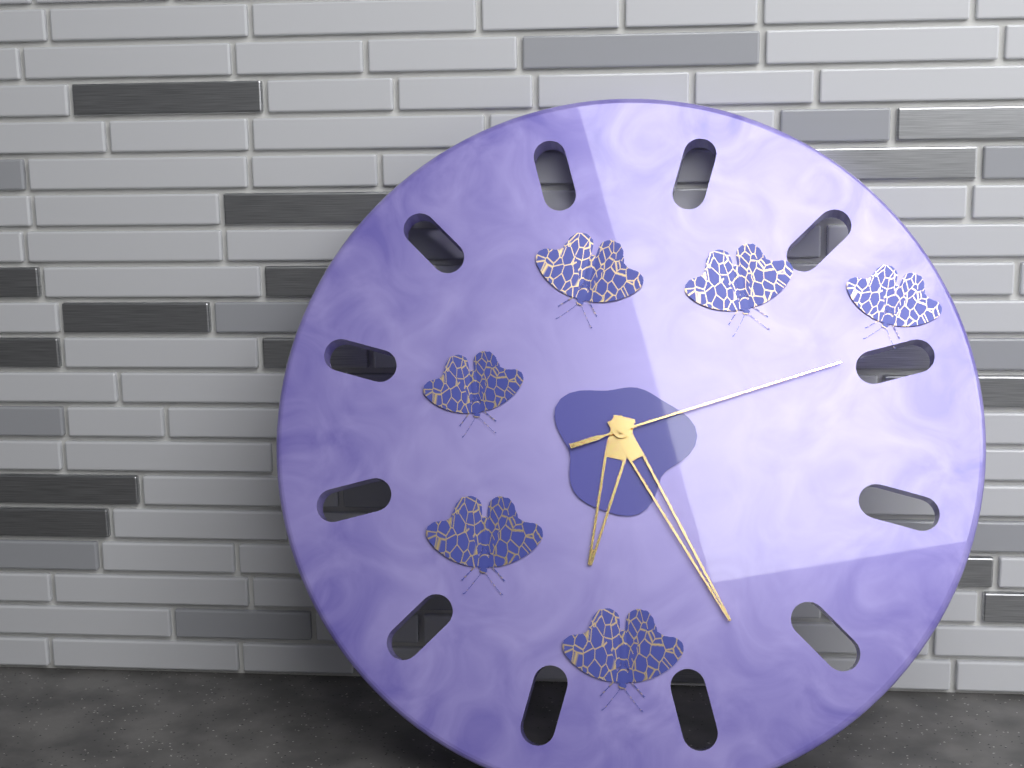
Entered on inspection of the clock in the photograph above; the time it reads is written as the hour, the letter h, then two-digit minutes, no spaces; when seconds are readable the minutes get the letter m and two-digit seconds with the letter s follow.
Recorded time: 6h25m12s
